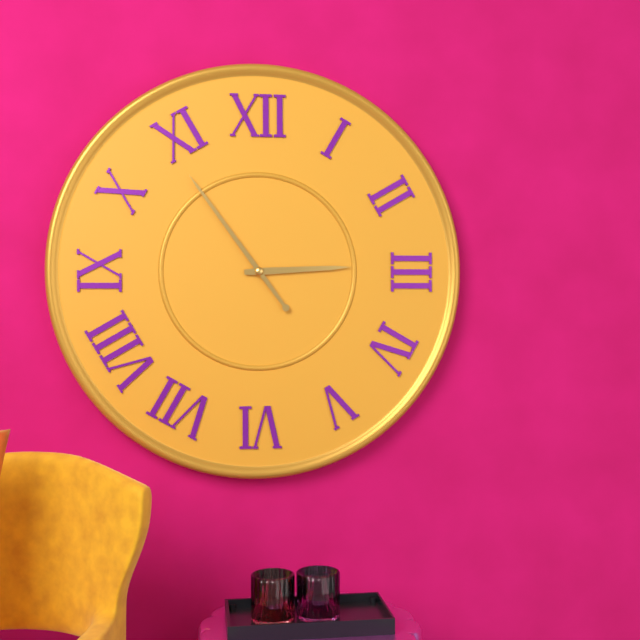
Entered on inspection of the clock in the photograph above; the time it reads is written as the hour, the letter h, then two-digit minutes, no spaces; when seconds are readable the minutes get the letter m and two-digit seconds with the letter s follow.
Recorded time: 2h54
